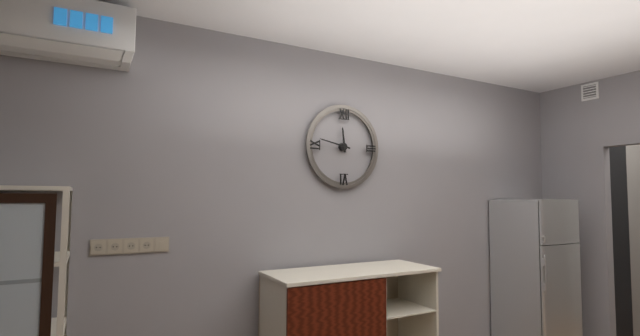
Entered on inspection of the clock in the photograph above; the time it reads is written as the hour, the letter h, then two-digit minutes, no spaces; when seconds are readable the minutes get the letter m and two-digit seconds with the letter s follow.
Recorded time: 11h47
